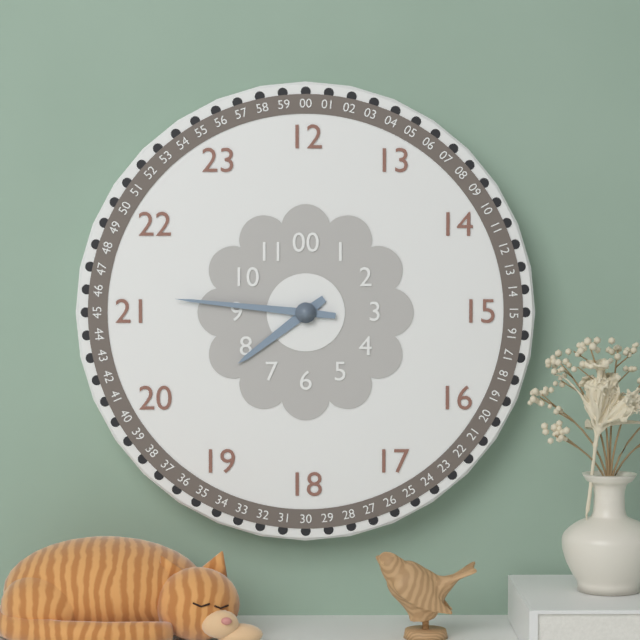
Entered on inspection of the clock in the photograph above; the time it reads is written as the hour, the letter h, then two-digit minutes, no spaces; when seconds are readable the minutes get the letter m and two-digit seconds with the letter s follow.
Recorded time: 7h46
